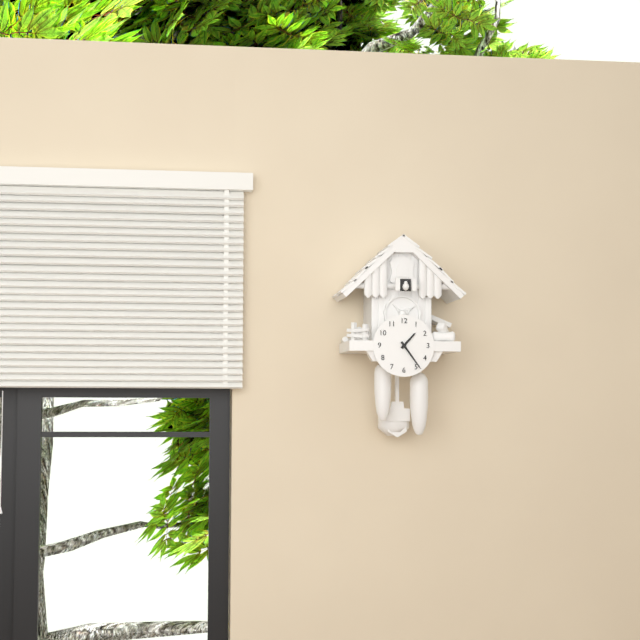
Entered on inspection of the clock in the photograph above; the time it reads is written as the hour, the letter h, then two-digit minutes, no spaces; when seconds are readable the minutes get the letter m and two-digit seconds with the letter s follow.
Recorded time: 1h24
